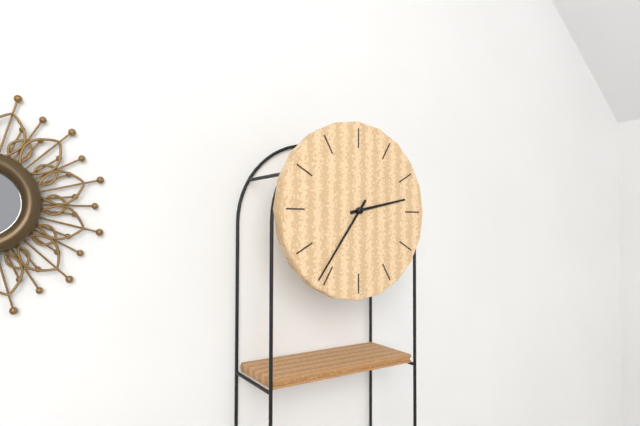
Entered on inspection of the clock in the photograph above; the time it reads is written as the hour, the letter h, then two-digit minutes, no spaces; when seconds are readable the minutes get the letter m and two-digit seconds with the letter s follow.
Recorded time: 2h36
